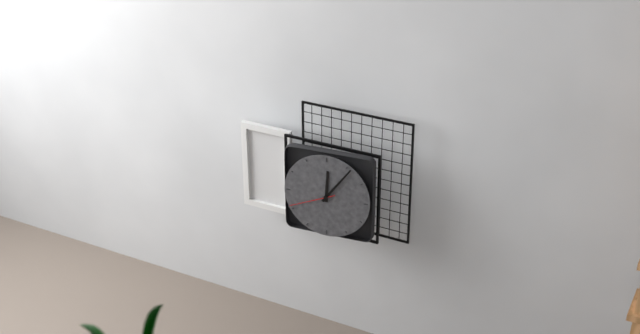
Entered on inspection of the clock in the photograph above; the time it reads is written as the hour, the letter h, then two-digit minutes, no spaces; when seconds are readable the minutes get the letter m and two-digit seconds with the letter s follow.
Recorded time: 12h06
